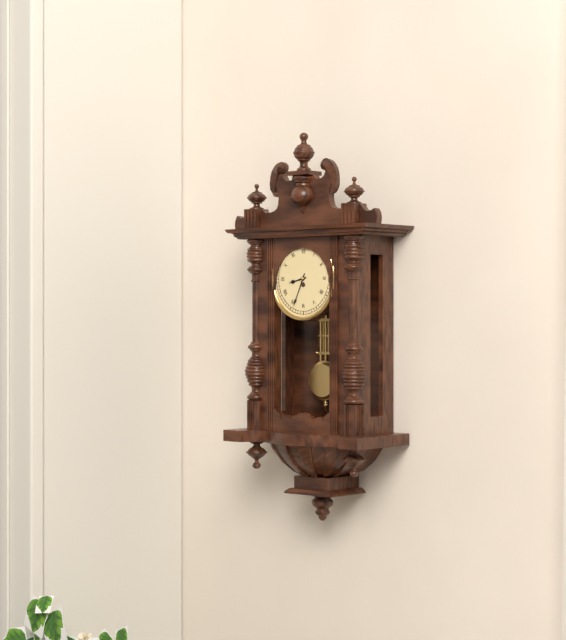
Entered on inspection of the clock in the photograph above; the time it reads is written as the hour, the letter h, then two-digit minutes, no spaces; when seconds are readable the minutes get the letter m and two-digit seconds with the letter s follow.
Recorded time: 8h34
